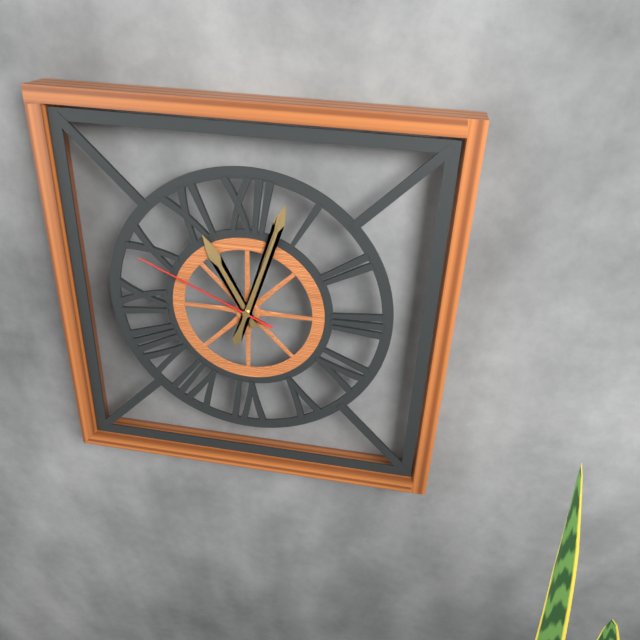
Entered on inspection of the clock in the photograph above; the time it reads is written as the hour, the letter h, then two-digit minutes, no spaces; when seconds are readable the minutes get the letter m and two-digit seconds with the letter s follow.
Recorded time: 11h03m49s
